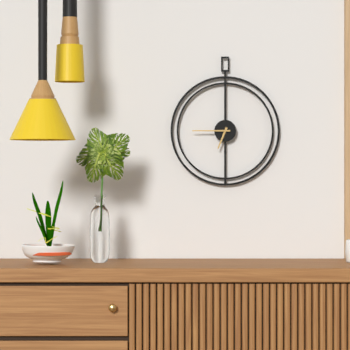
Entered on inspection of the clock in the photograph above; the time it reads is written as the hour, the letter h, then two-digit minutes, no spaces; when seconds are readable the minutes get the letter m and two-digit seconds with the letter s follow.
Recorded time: 6h45
